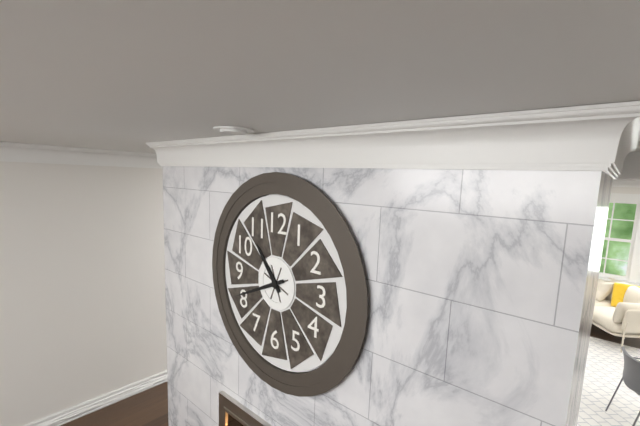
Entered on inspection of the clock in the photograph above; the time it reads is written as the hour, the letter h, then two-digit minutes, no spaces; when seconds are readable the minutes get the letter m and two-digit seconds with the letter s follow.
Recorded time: 10h41
